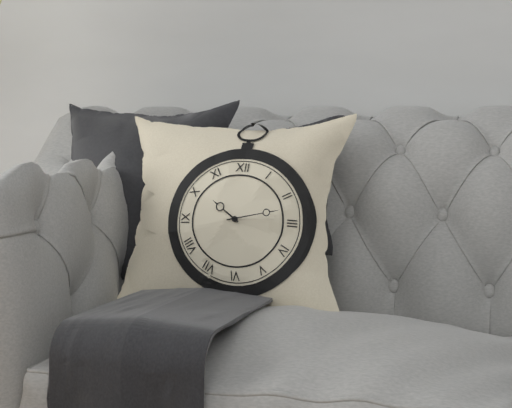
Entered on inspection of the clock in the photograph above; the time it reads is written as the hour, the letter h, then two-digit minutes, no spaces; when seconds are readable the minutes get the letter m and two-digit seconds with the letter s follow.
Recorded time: 10h13
